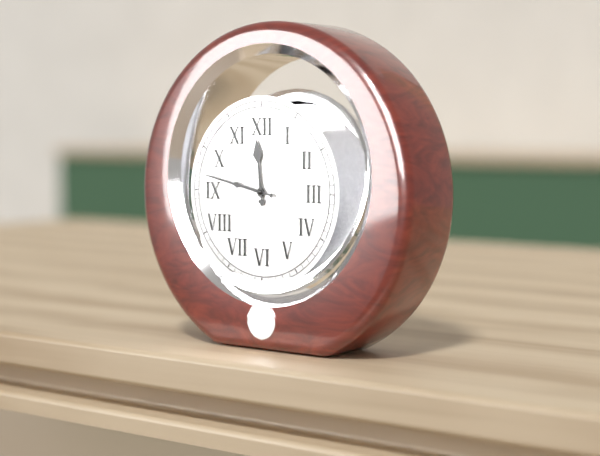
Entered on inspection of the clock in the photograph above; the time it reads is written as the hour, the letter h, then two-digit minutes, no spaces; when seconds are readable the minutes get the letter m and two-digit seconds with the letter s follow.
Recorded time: 11h47
